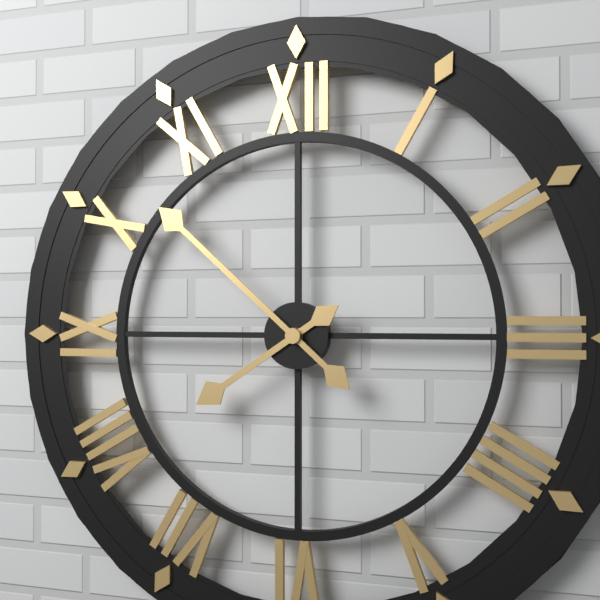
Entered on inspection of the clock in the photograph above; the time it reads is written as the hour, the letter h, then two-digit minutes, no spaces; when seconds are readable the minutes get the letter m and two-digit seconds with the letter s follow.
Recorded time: 7h52
